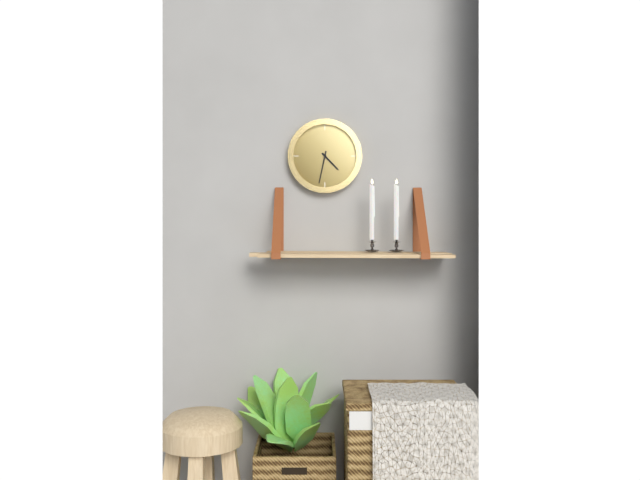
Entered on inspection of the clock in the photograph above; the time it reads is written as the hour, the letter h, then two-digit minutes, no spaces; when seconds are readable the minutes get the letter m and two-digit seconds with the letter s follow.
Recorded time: 4h32
